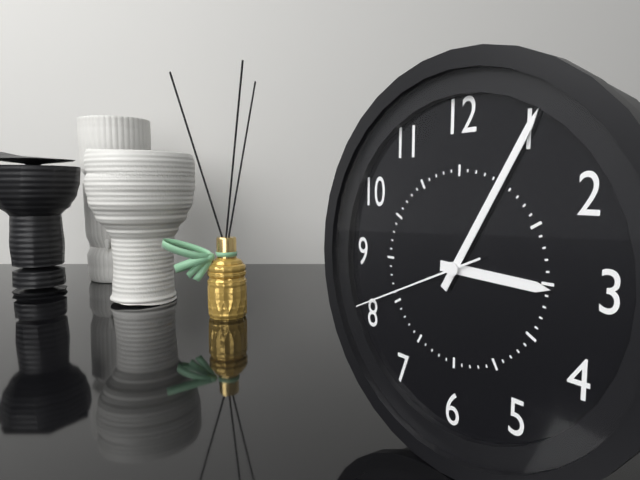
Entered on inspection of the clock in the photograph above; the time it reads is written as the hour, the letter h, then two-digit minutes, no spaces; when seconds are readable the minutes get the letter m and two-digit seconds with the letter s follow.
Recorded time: 3h05m41s
